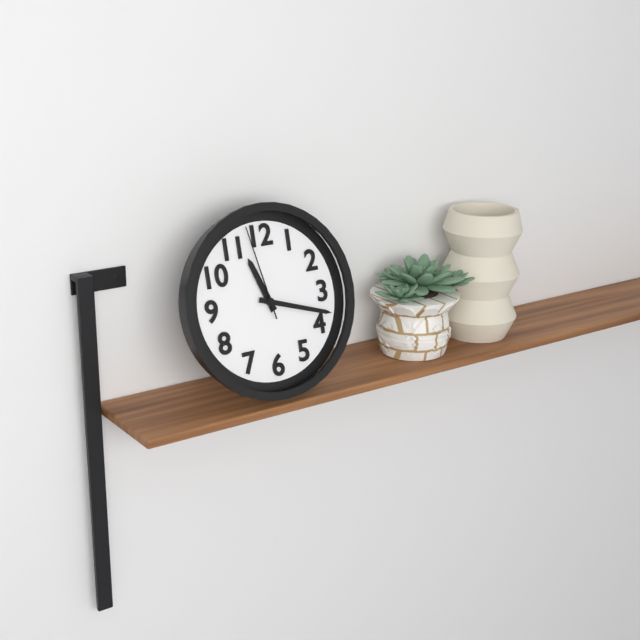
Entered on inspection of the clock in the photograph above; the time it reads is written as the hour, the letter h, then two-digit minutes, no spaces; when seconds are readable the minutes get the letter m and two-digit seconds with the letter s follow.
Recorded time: 11h18m58s
